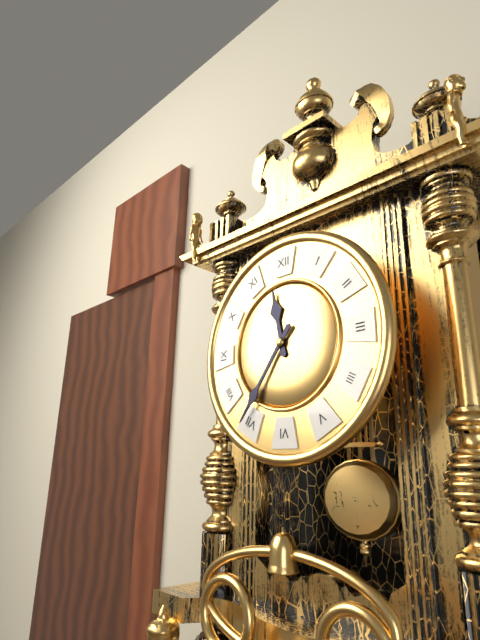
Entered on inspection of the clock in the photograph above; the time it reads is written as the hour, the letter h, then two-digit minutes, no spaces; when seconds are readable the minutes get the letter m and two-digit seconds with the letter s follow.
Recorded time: 11h36
